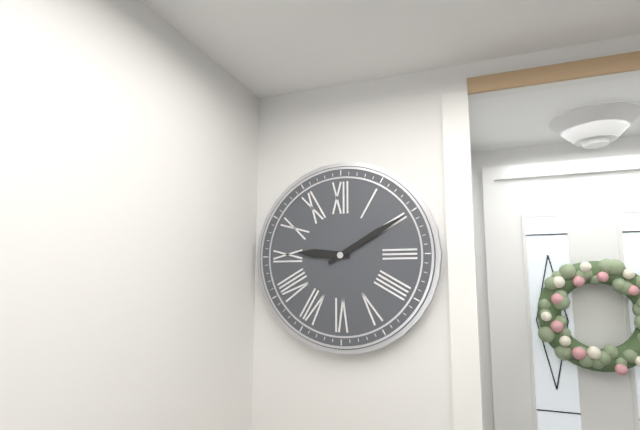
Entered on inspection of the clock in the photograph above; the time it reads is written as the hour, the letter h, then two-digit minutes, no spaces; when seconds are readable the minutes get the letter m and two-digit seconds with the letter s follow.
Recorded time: 9h10
